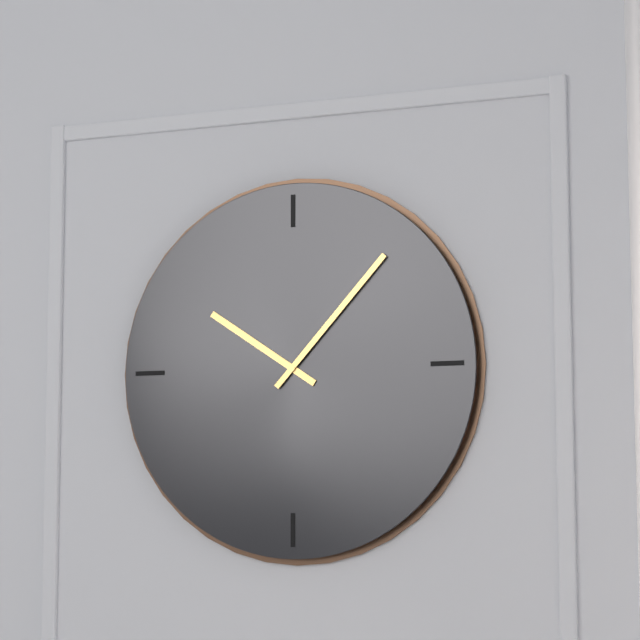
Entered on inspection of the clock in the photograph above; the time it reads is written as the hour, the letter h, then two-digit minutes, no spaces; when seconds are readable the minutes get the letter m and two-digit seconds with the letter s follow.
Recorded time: 10h07
